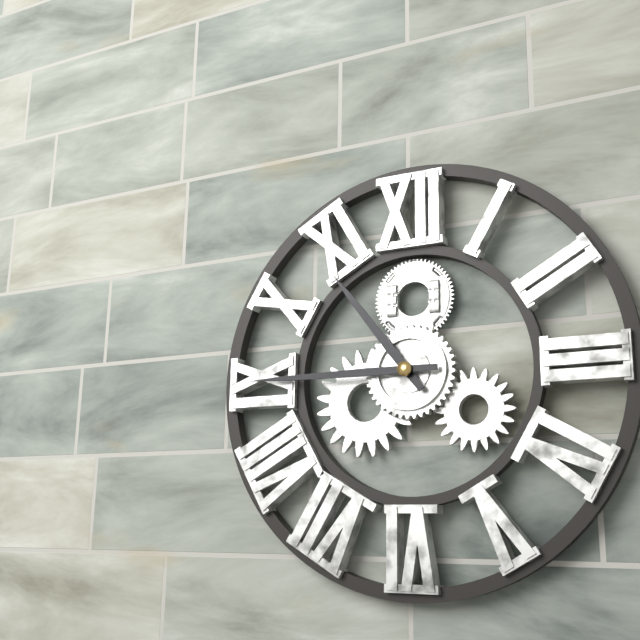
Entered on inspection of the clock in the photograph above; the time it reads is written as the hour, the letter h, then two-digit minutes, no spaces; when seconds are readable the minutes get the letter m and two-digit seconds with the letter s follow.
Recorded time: 10h45
